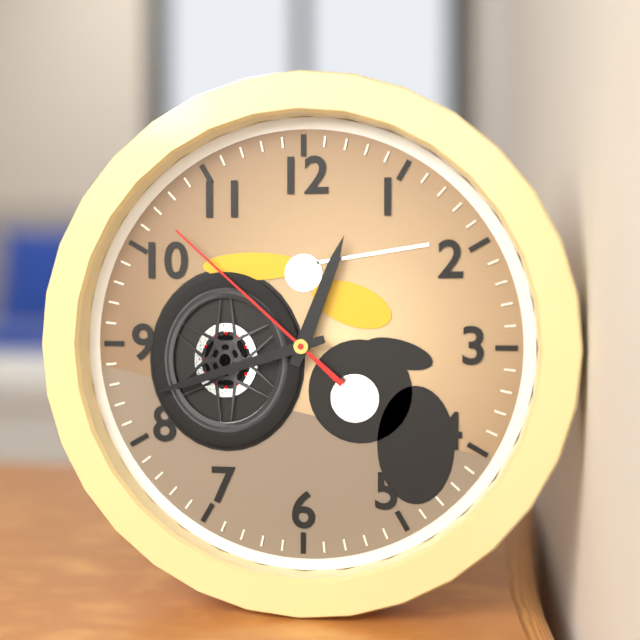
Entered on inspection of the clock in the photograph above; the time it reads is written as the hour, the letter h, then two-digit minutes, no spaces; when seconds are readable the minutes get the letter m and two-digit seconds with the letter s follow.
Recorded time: 12h42m52s
